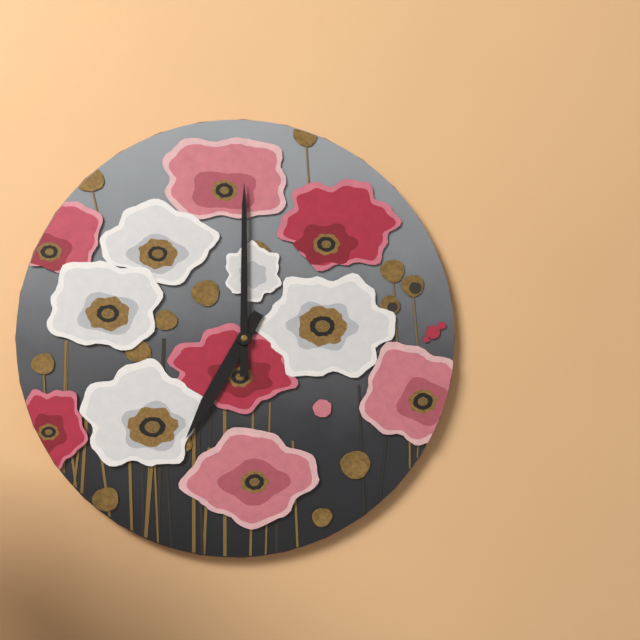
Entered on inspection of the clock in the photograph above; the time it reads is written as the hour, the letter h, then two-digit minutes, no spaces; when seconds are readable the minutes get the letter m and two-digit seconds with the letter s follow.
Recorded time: 7h00
